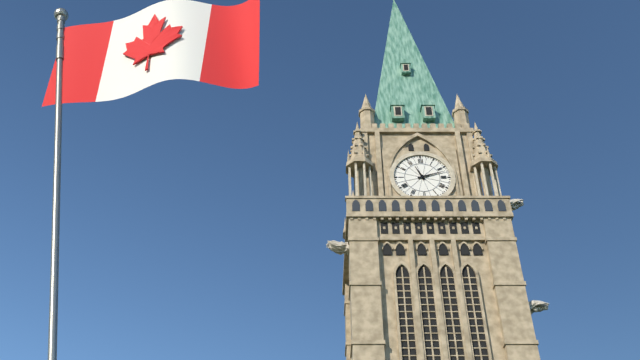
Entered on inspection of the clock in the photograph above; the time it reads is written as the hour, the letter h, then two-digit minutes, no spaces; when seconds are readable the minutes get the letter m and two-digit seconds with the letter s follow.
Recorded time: 11h12
